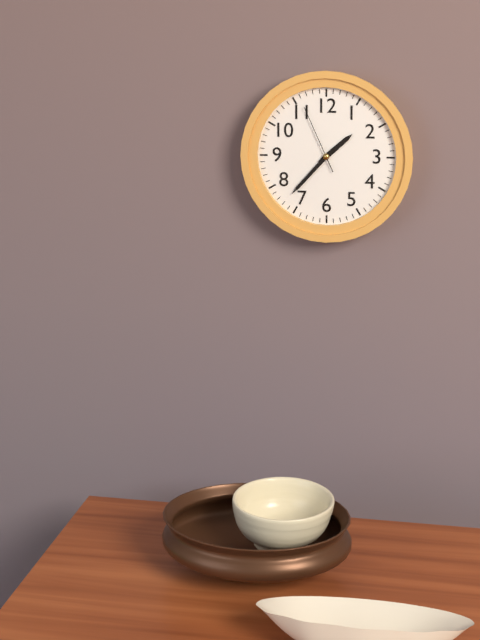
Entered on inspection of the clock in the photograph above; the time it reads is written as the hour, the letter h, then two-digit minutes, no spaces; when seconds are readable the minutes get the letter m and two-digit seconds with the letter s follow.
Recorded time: 1h37m56s
